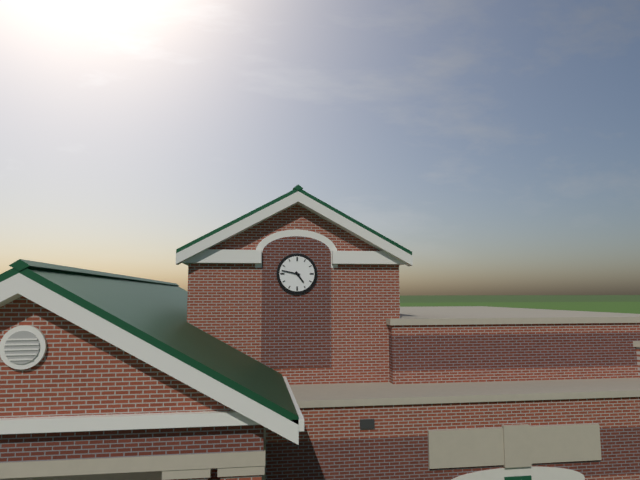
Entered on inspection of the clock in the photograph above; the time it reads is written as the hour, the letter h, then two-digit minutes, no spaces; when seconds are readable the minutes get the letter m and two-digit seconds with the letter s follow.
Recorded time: 4h47
